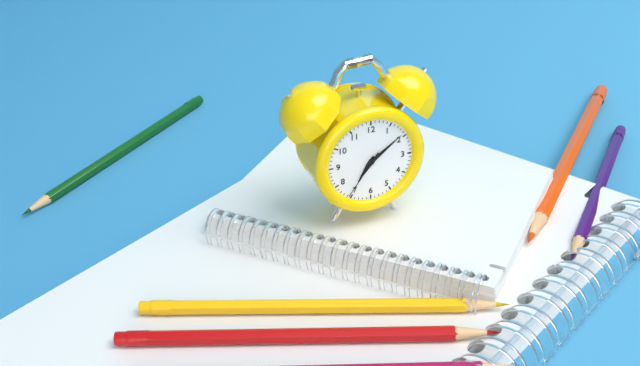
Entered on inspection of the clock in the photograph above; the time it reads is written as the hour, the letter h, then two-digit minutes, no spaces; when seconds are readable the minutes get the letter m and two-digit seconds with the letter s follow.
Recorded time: 7h09m36s
